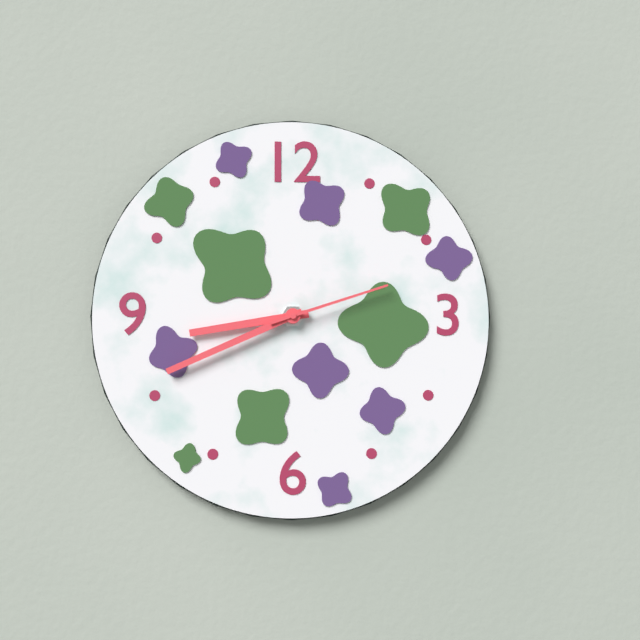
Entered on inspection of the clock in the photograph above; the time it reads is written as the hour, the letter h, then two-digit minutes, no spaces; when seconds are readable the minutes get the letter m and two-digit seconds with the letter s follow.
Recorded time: 8h41m12s
